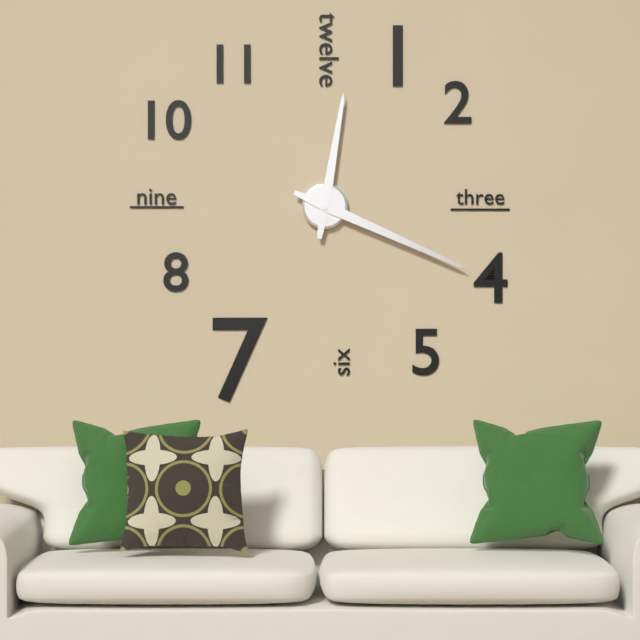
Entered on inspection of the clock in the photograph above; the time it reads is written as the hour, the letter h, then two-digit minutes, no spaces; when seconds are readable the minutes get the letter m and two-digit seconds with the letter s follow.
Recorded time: 12h19
